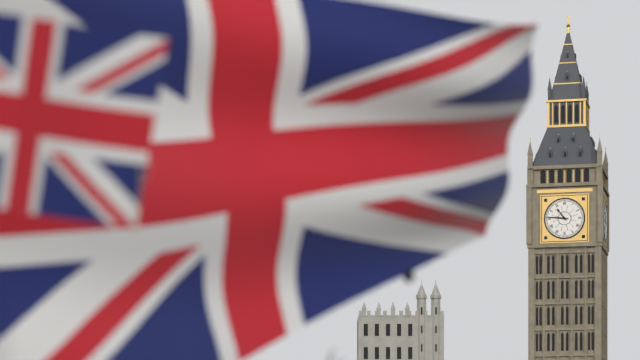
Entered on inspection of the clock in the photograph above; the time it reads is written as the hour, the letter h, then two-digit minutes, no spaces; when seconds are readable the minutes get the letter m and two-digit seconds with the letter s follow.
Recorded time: 10h46
